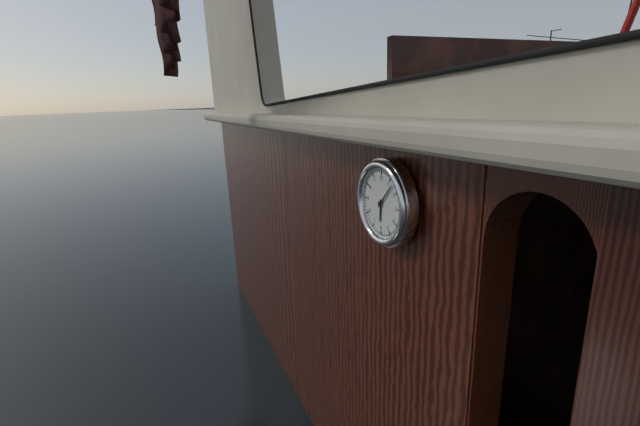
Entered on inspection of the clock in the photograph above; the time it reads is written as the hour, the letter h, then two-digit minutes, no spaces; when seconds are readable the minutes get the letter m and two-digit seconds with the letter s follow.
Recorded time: 6h07
